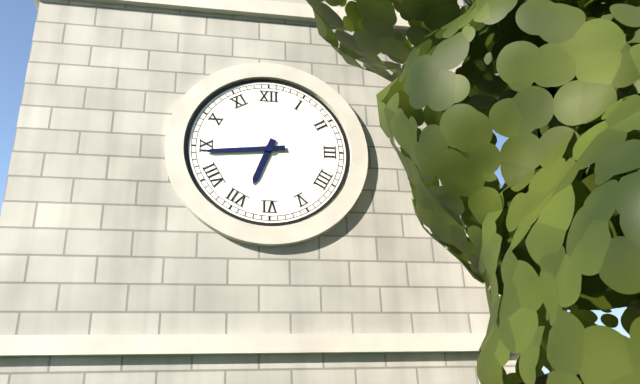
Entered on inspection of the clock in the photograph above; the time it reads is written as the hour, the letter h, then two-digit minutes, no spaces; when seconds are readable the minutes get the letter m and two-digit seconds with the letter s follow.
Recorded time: 6h44
